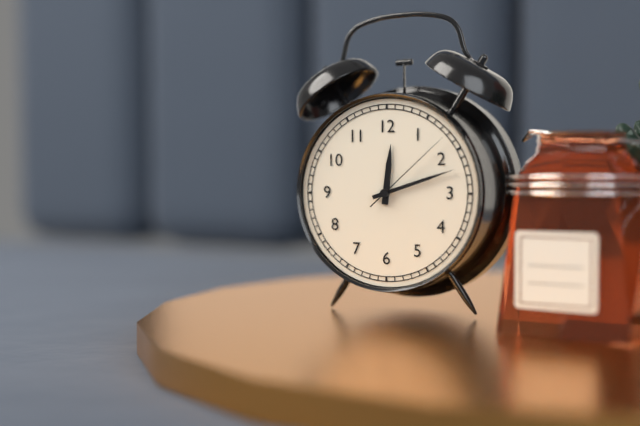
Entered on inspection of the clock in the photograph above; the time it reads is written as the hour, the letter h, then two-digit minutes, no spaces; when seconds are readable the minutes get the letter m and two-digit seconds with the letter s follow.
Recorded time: 12h12m08s
